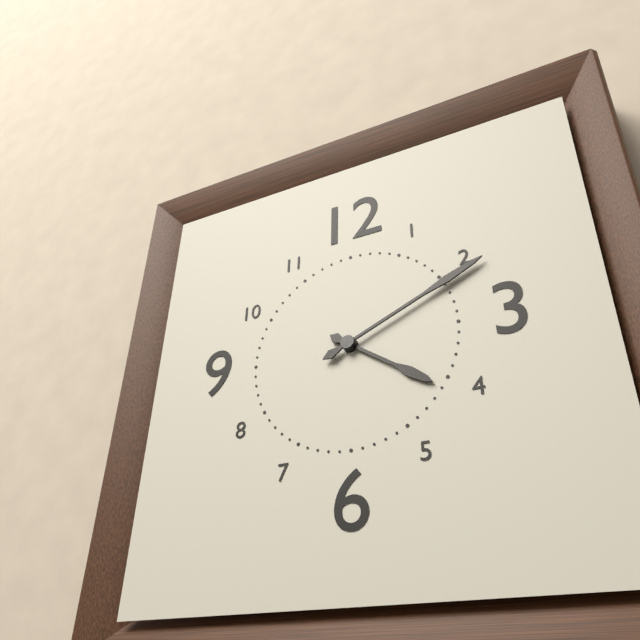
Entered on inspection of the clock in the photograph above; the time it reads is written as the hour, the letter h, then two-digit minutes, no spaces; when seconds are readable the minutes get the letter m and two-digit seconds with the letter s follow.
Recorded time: 4h11
